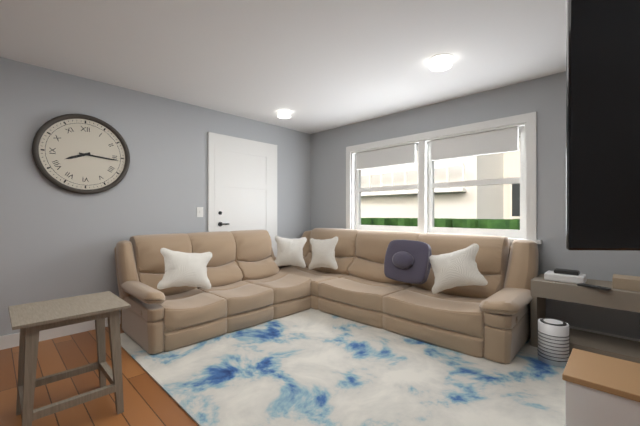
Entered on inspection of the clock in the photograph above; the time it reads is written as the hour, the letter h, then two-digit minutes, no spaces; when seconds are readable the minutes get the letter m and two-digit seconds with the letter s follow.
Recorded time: 8h16
